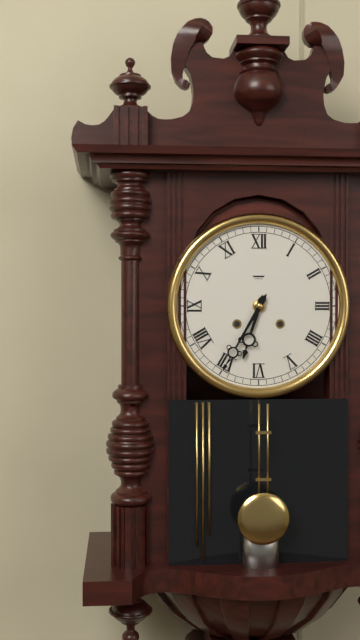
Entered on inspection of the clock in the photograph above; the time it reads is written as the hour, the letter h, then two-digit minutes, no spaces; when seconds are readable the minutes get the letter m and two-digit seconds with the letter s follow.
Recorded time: 6h35
